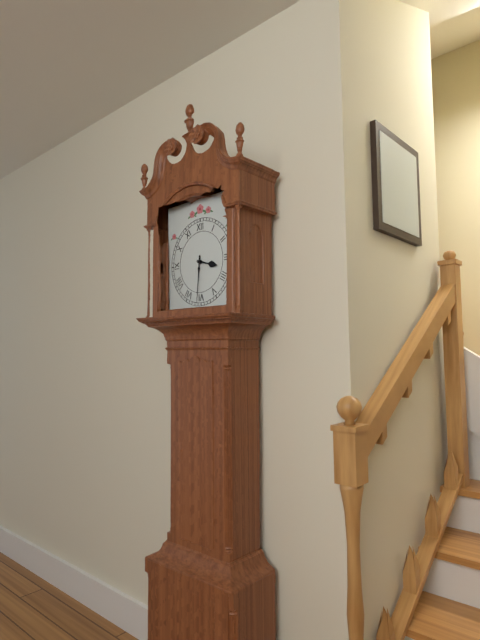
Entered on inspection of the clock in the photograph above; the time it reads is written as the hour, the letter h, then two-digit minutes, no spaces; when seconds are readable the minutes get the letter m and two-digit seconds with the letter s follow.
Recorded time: 3h31
